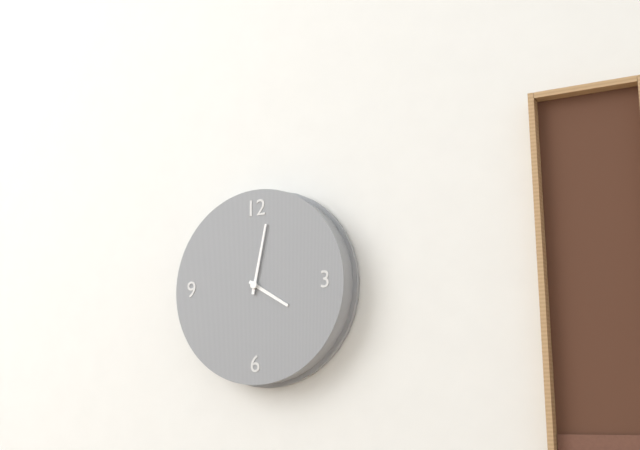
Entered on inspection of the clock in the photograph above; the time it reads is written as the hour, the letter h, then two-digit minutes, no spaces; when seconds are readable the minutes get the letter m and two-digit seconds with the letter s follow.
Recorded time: 4h02
